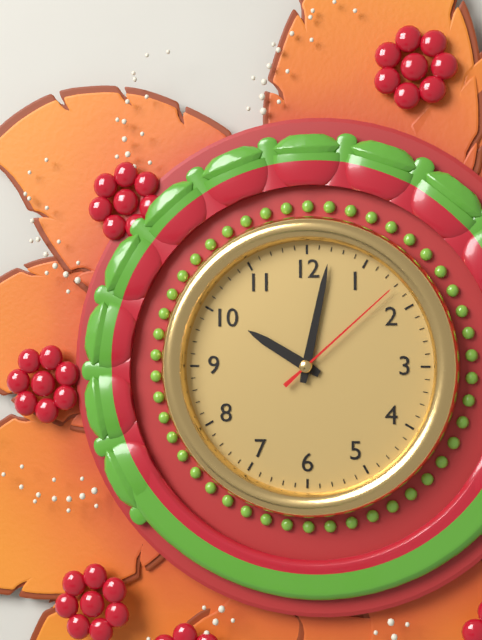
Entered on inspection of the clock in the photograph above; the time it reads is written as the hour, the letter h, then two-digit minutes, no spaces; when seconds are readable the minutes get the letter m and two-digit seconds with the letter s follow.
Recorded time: 10h02m08s
